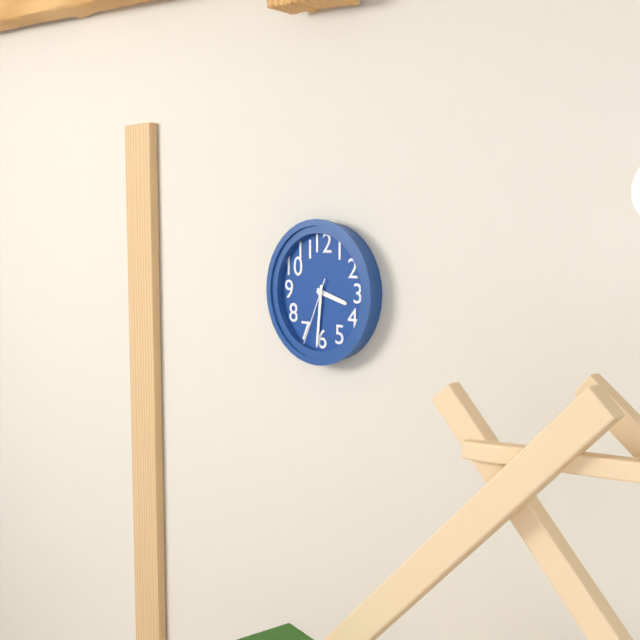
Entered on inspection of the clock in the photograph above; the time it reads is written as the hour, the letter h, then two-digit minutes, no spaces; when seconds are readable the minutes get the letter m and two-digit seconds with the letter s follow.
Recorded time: 3h31m34s
